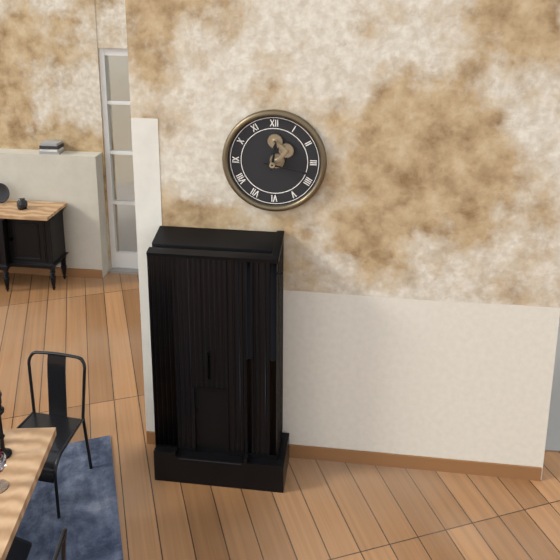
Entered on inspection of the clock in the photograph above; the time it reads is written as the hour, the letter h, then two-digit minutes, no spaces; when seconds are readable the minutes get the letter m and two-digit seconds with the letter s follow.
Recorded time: 12h17
